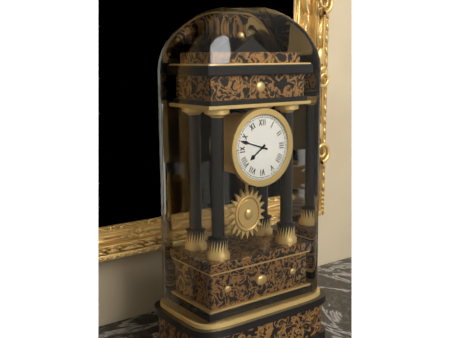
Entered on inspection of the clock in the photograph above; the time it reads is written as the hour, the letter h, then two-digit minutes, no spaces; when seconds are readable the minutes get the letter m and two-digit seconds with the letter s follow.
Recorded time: 7h48
